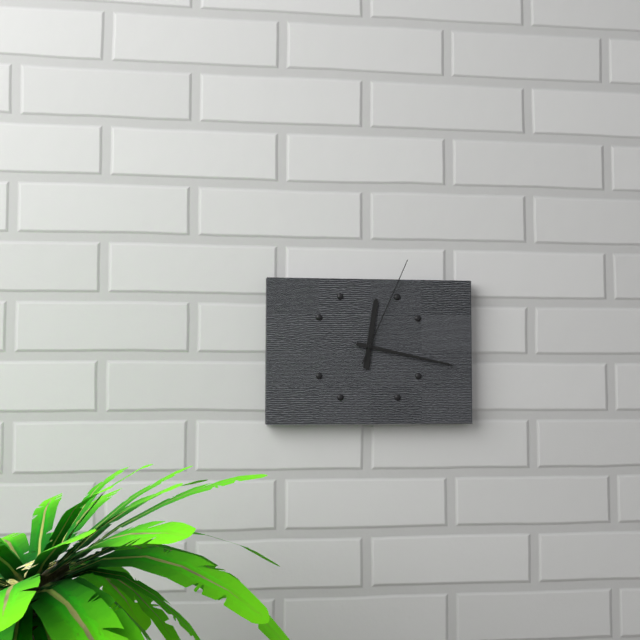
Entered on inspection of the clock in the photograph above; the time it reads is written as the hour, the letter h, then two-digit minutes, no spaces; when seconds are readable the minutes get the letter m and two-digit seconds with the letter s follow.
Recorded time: 12h17m04s
